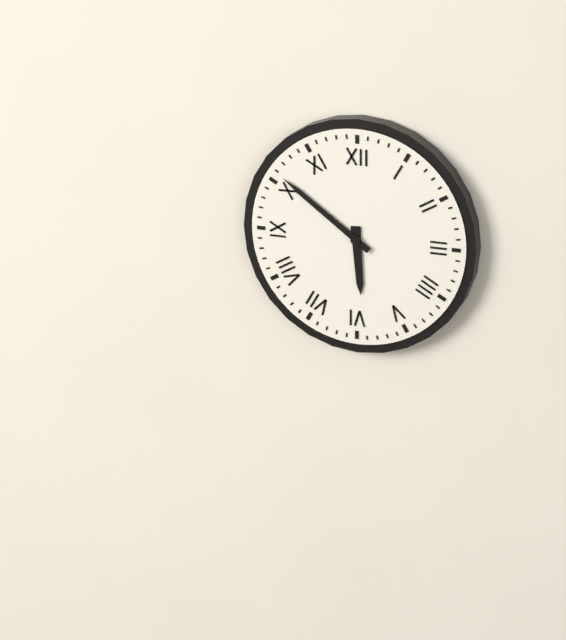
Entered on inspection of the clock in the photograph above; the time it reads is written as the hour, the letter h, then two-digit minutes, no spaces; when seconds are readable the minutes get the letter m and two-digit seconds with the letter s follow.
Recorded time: 5h51
